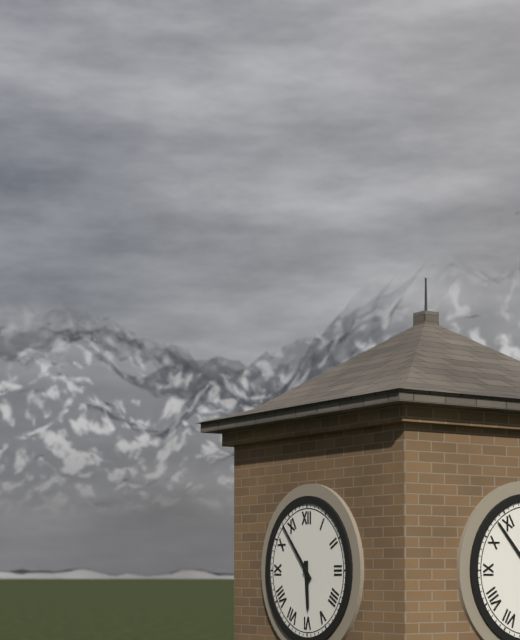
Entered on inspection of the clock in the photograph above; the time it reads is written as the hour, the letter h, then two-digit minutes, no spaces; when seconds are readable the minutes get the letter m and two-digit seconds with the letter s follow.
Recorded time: 5h53
